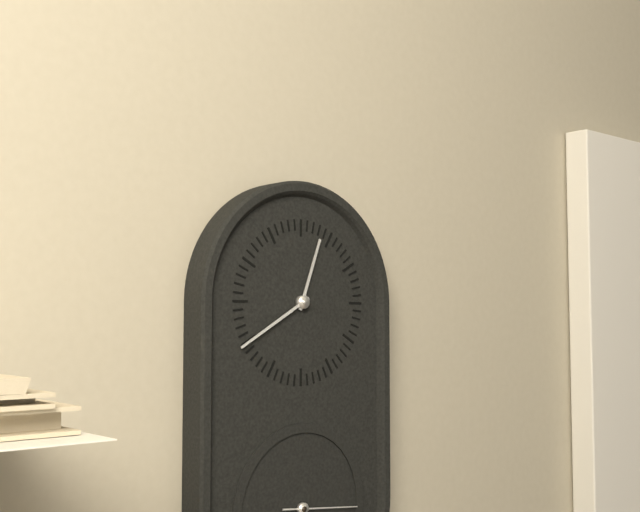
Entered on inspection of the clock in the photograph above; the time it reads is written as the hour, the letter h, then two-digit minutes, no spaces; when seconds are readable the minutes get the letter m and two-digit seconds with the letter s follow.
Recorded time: 12h40m16s
